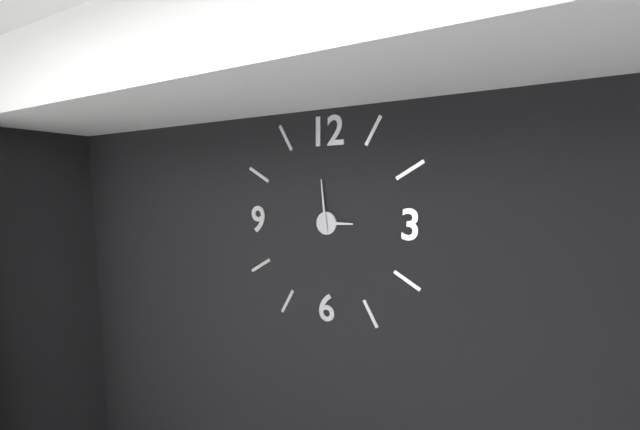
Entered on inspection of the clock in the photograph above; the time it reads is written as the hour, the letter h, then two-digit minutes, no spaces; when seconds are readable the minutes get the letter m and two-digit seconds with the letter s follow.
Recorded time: 2h59
